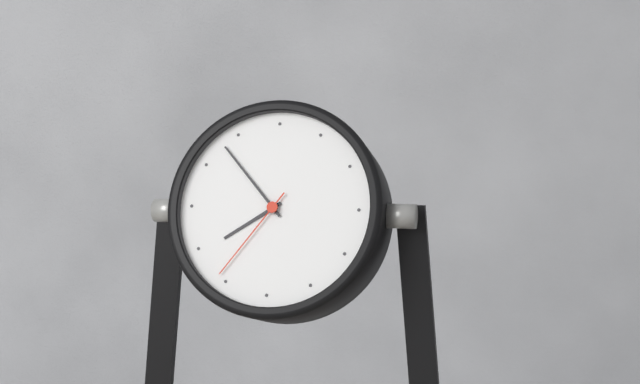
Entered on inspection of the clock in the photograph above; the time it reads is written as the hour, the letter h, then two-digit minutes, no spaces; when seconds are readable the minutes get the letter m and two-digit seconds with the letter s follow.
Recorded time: 7h53m36s
